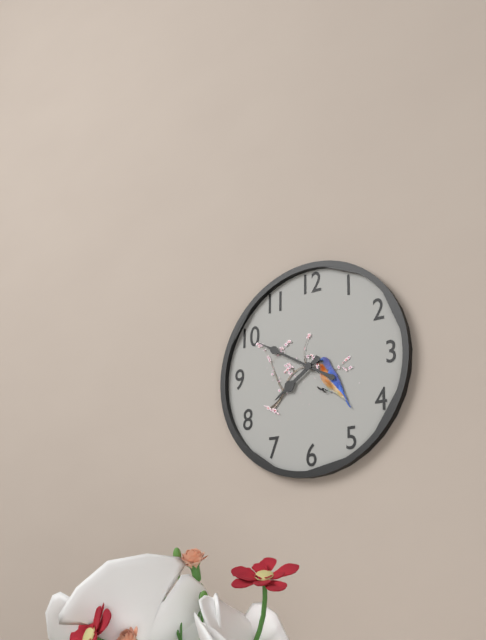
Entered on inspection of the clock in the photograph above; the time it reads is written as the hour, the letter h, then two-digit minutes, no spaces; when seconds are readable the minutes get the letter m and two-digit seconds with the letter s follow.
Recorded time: 7h50
